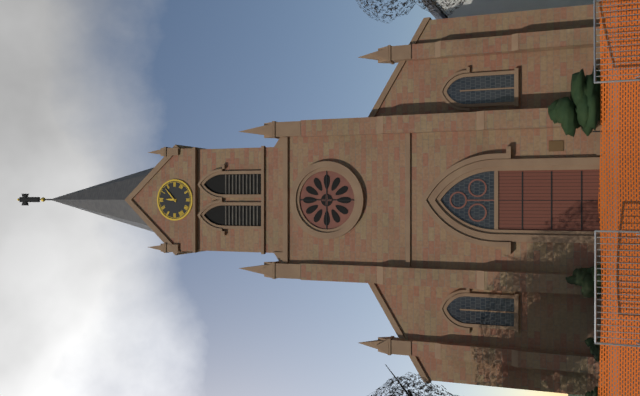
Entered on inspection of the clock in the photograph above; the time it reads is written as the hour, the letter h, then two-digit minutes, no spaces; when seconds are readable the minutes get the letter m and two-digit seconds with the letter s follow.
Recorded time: 12h08
